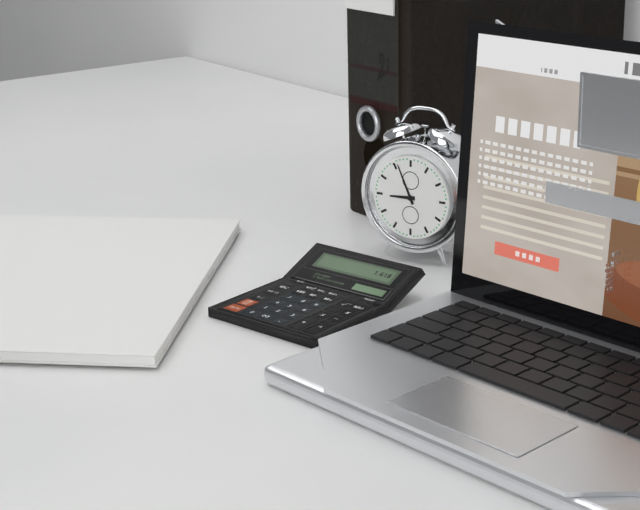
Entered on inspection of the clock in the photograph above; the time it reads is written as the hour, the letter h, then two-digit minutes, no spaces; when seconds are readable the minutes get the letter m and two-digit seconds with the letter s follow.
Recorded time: 8h56
